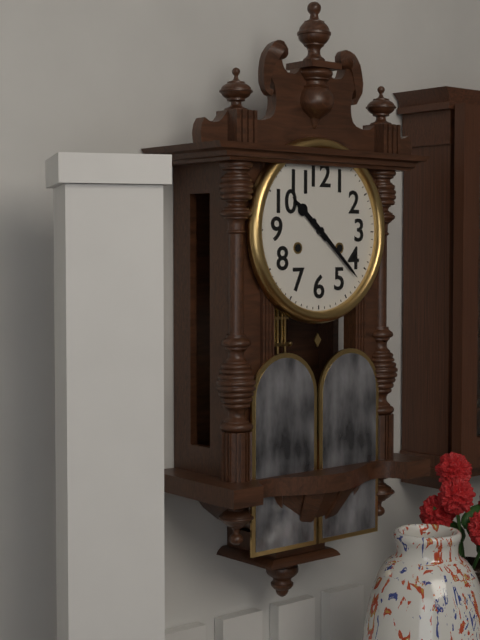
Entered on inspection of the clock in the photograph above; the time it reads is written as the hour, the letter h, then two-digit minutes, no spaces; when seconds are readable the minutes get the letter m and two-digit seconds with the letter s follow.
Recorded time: 10h22
